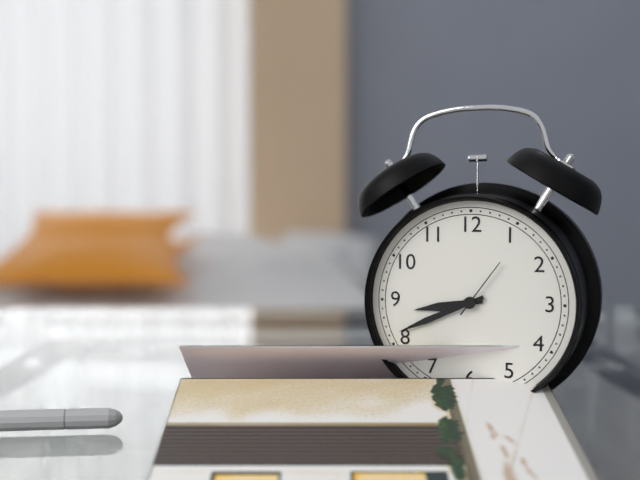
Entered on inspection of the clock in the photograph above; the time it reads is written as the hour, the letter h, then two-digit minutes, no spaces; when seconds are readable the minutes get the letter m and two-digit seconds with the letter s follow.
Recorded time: 8h41m06s
